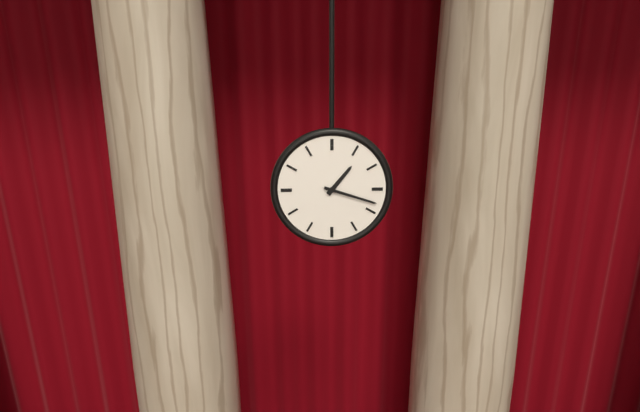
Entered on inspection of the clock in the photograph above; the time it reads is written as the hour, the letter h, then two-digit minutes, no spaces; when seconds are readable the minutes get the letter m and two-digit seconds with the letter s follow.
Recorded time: 1h18
